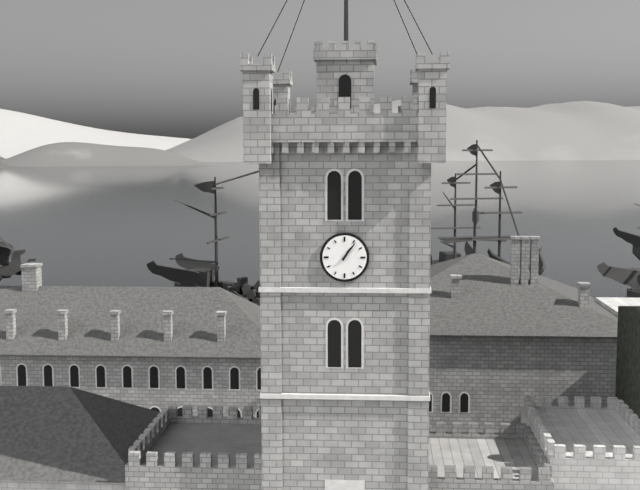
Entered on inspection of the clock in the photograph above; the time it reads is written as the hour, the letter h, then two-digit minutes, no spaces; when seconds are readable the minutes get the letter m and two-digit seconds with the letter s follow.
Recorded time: 1h06
